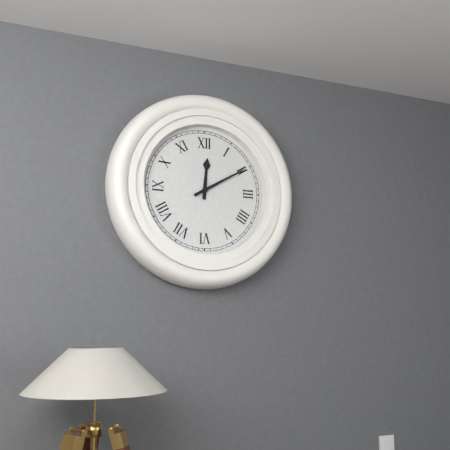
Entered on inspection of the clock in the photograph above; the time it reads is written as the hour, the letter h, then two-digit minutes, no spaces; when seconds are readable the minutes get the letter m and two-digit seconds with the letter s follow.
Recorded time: 12h10
